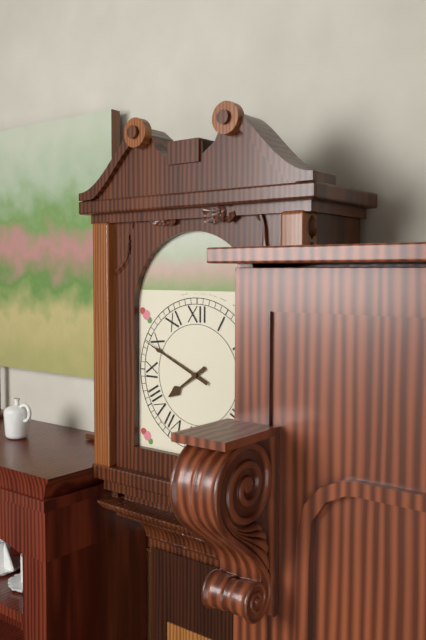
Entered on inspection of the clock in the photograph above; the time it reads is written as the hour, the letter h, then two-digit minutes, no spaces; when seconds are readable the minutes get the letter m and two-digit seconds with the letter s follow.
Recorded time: 7h49
